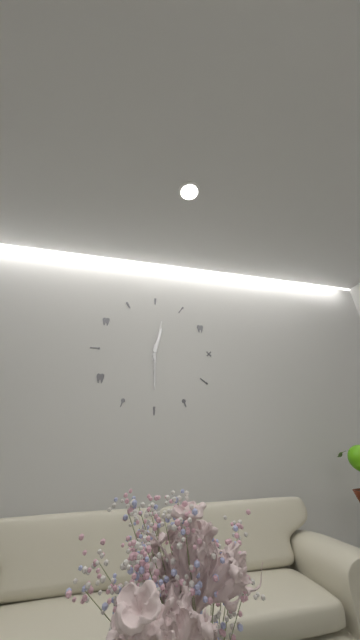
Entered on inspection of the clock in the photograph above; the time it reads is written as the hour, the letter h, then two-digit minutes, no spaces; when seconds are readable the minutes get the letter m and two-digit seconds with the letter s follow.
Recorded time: 12h30
